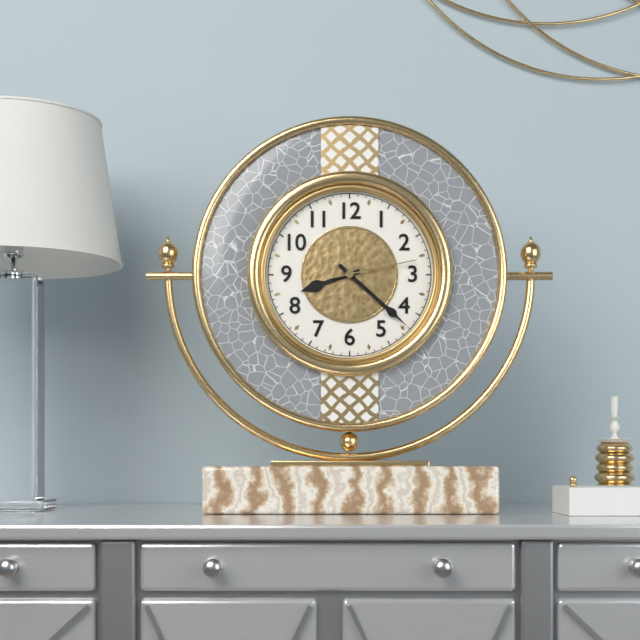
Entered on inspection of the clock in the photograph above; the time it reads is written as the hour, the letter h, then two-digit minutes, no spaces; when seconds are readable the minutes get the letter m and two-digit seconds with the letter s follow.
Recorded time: 8h22m13s
